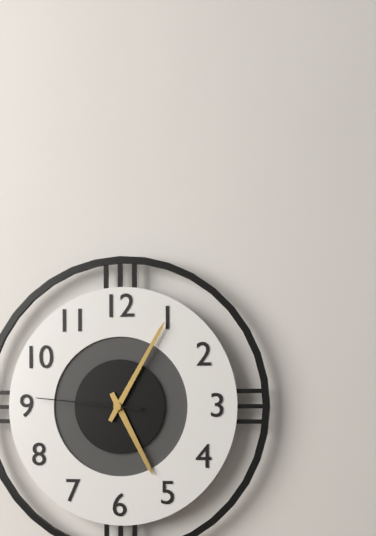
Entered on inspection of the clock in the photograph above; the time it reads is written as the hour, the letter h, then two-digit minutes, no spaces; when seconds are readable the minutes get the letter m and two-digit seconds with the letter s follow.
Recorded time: 5h05m46s
